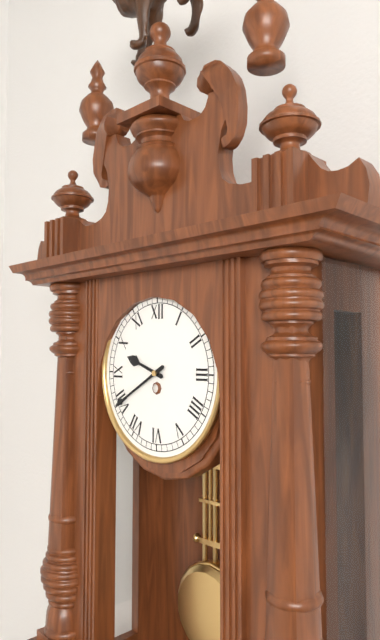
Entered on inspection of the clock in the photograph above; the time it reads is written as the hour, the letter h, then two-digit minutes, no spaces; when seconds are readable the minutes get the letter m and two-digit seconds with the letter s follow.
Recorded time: 9h40
